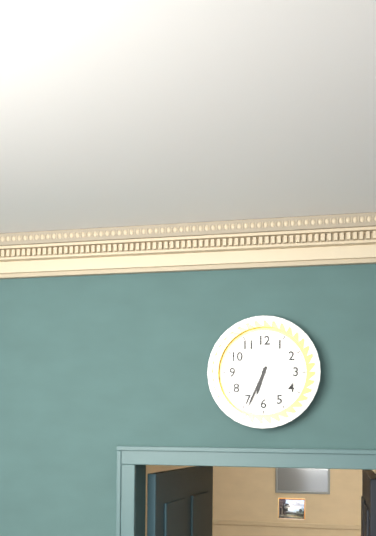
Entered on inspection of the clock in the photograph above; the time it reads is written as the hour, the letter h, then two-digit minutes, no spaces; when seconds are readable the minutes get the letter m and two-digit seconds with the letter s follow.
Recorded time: 6h34
